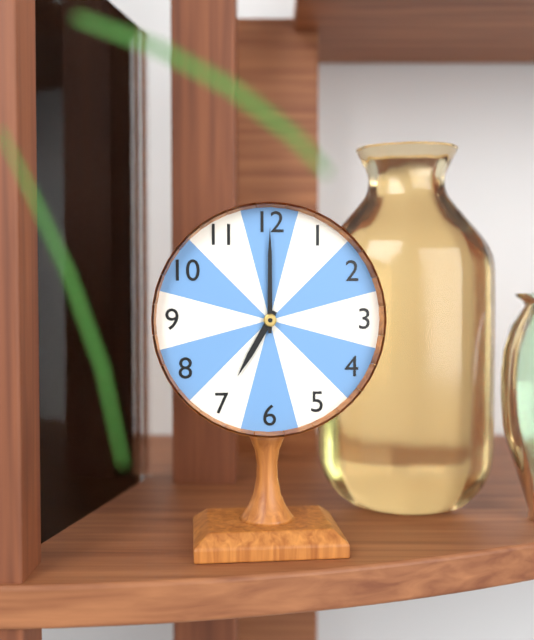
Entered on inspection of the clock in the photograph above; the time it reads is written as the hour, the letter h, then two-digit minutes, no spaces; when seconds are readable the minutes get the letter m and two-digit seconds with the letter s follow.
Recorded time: 7h00
